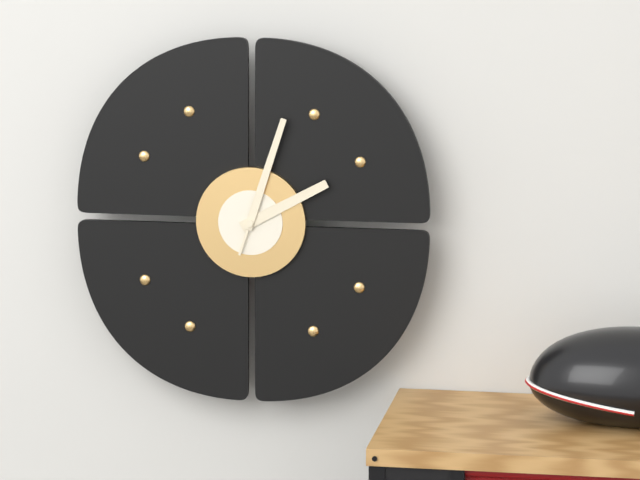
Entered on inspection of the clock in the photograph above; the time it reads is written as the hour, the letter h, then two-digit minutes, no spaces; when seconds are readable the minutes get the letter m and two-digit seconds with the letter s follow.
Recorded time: 2h03
